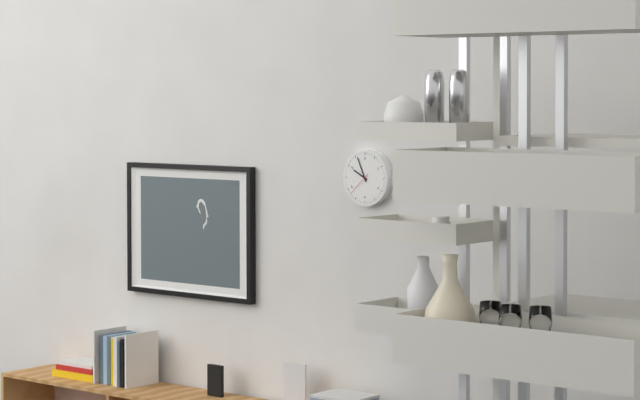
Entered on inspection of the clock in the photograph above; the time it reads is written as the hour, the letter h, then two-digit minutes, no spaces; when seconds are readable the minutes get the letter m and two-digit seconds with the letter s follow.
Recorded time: 9h56
